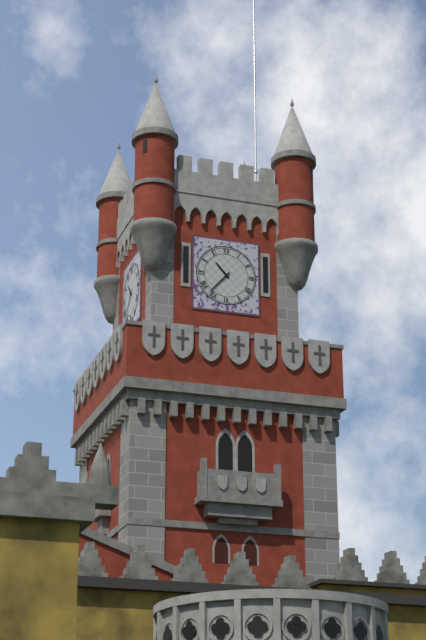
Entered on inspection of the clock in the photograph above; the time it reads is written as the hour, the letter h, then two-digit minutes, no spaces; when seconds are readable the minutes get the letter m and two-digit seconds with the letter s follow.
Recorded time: 10h37
